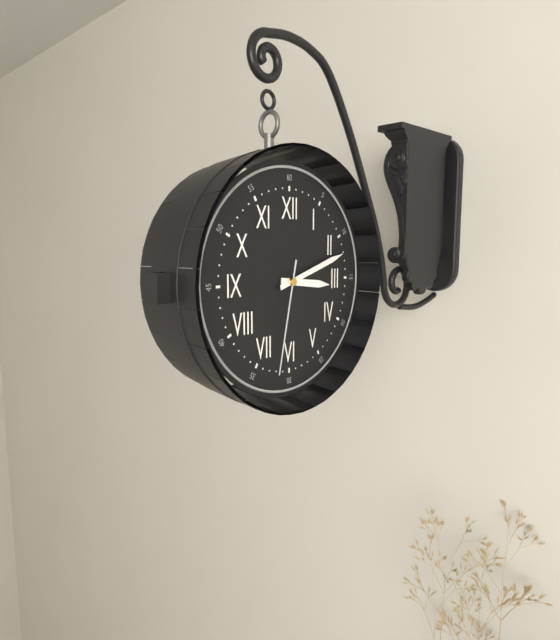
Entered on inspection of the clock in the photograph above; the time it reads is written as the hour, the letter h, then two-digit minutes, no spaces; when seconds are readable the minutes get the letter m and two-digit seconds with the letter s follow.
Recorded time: 3h12m32s
